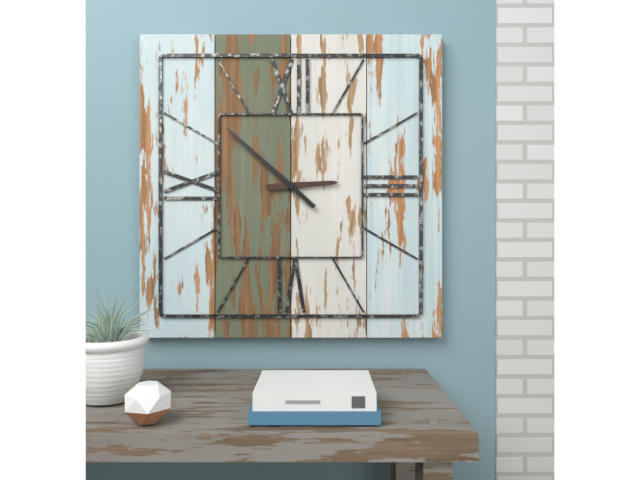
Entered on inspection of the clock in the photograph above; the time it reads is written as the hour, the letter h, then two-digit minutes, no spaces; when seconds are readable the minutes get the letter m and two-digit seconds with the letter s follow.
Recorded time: 2h52
